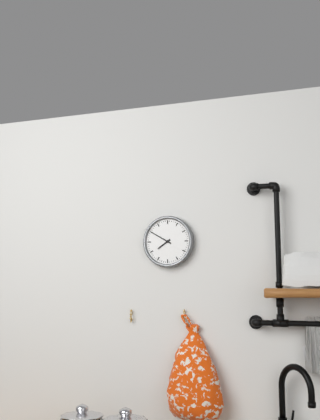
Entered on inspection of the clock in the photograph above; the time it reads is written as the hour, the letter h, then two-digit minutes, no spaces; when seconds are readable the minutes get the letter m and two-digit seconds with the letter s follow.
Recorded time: 7h50
